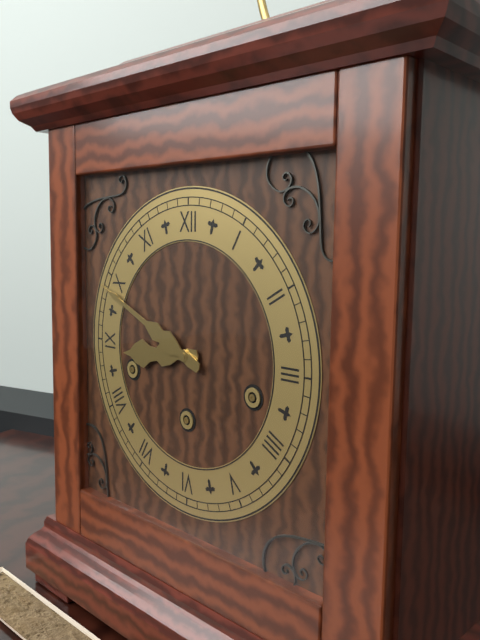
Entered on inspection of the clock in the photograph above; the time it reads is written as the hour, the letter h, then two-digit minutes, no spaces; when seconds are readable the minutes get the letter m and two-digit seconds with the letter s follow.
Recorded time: 8h49
